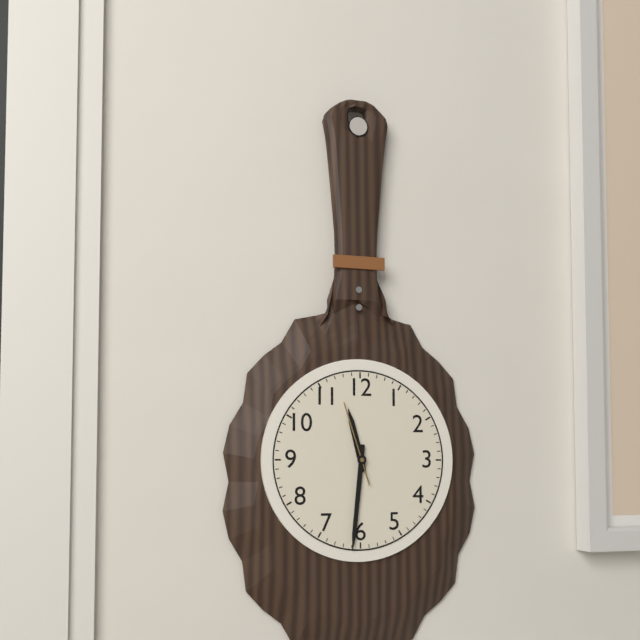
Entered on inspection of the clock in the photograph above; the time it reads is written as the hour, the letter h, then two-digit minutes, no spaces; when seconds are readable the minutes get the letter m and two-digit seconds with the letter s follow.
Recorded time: 11h31m57s
